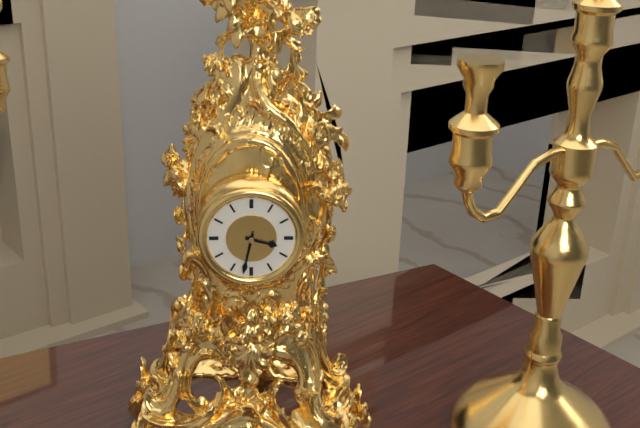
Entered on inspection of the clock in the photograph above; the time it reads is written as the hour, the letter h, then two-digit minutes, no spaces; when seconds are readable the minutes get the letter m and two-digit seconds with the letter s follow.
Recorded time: 3h32
